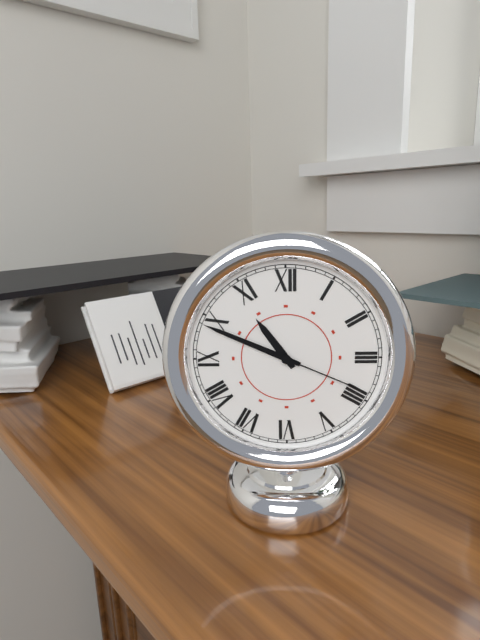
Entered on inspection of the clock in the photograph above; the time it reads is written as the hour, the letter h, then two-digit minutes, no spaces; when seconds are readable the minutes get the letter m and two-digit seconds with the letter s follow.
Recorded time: 10h49m19s
